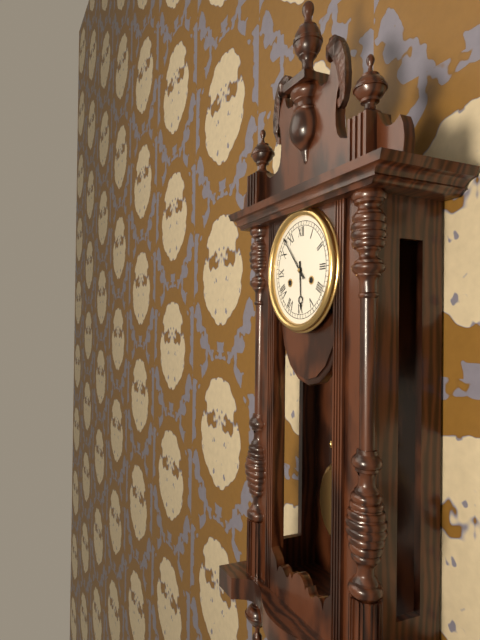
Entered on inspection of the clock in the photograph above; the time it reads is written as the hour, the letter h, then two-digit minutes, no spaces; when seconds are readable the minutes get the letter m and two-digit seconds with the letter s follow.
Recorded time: 5h53
